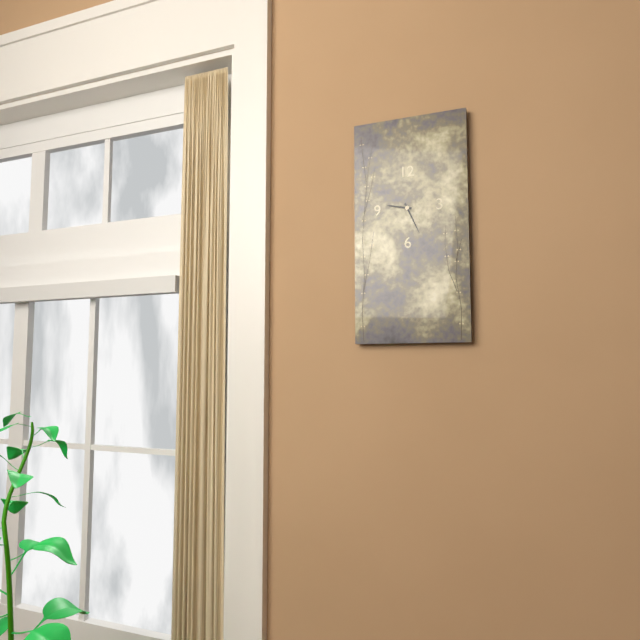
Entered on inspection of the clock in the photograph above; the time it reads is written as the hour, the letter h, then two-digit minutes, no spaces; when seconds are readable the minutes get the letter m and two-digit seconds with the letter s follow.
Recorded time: 9h26
